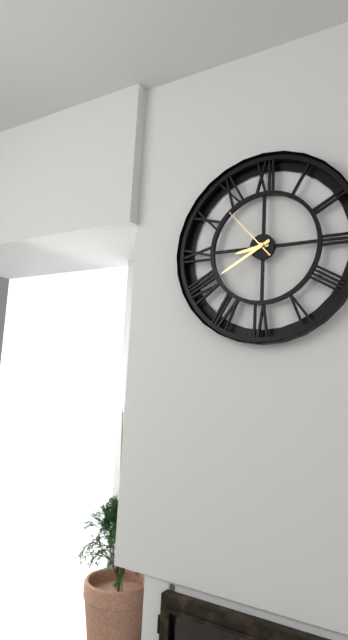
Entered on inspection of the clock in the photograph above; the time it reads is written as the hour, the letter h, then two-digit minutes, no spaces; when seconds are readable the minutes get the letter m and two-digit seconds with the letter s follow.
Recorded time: 8h40m53s
